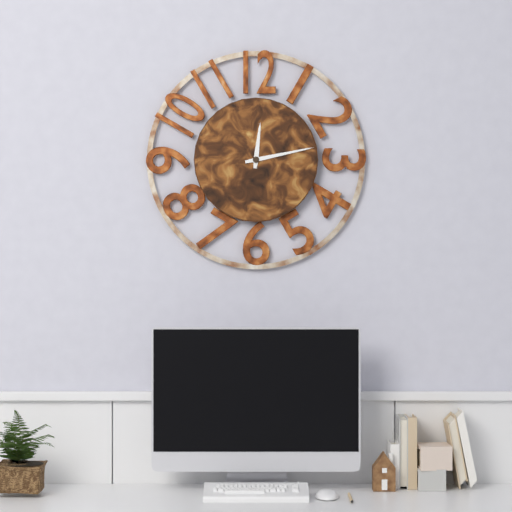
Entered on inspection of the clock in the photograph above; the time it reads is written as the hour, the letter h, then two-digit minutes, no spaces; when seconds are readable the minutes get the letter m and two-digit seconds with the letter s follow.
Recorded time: 12h13
